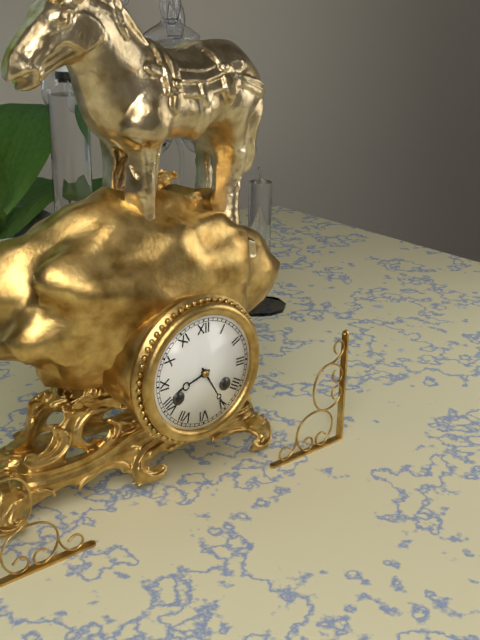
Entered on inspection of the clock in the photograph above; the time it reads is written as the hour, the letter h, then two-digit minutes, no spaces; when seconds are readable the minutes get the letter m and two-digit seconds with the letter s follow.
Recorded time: 8h25
